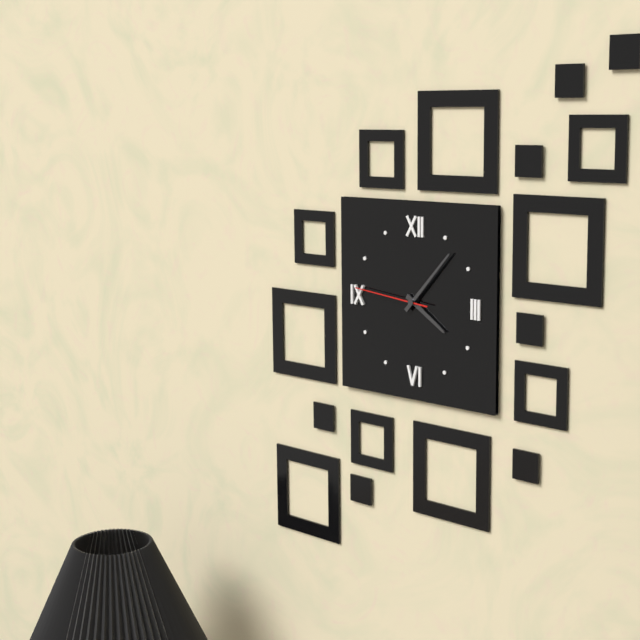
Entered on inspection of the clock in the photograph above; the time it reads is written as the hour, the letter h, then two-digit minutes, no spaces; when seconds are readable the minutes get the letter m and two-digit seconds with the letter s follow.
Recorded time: 4h07m46s
